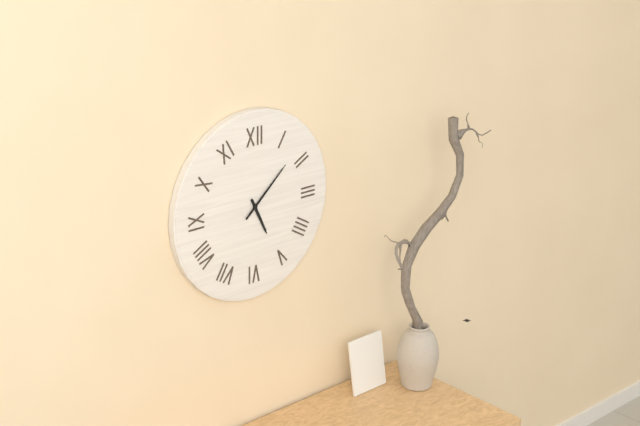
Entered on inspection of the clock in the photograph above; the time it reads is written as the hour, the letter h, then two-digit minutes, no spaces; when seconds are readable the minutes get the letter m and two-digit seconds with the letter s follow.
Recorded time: 5h08
